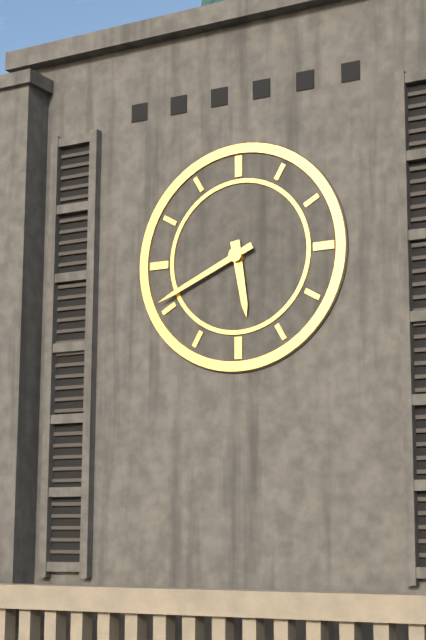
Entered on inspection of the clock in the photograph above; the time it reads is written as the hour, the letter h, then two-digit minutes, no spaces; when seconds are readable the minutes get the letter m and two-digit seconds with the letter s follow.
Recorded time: 5h41
